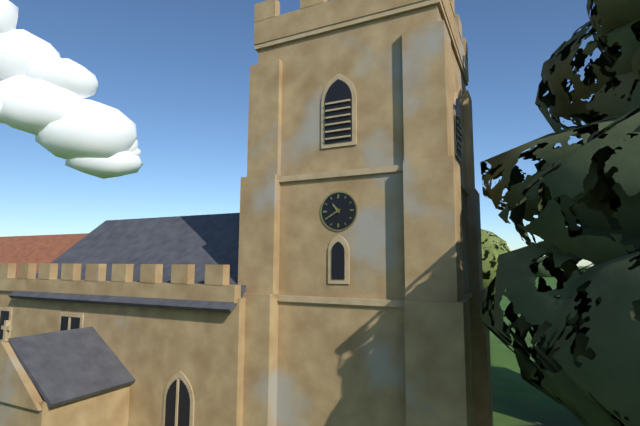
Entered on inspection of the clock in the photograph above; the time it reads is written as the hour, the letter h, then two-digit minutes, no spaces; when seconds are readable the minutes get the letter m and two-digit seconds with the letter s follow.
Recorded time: 10h40
